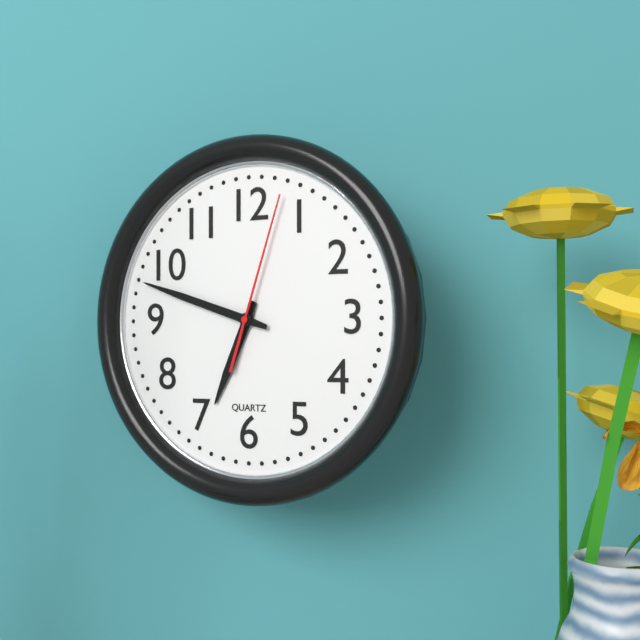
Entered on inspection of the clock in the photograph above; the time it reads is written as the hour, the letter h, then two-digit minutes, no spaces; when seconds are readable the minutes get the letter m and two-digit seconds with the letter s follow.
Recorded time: 6h48m03s
